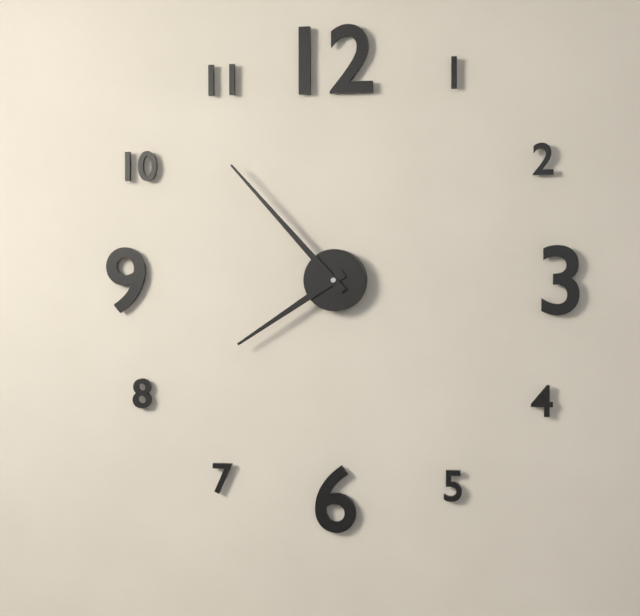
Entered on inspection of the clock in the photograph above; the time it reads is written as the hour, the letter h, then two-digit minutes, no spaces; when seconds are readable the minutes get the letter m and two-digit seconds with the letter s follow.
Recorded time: 7h53
